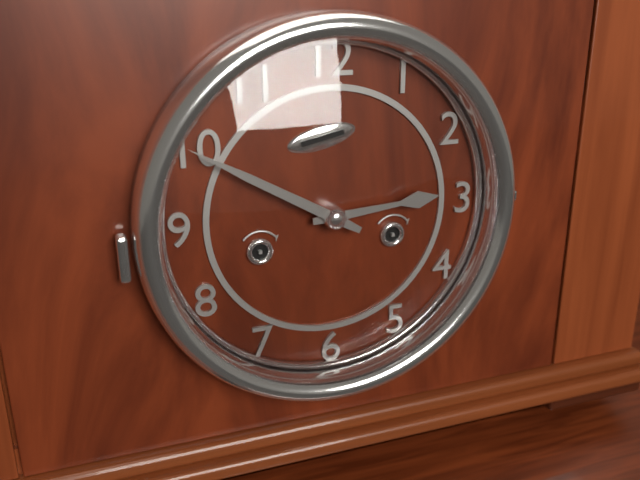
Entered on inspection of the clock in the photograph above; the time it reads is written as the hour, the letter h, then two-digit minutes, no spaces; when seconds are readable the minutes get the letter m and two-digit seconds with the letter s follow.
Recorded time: 2h50
